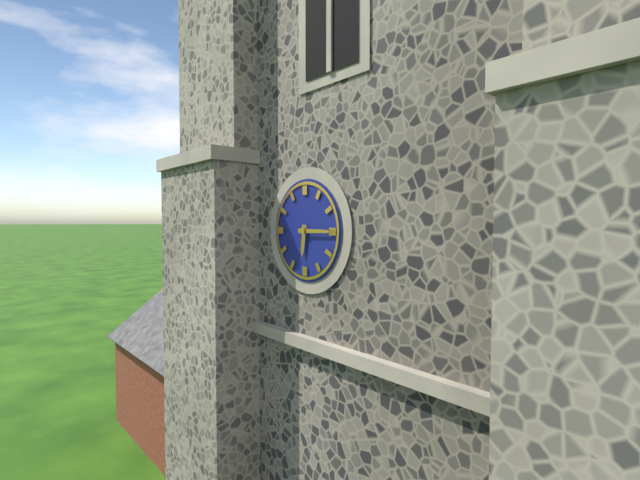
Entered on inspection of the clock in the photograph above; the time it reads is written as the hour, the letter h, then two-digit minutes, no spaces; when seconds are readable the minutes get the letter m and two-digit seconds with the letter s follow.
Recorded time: 6h15
